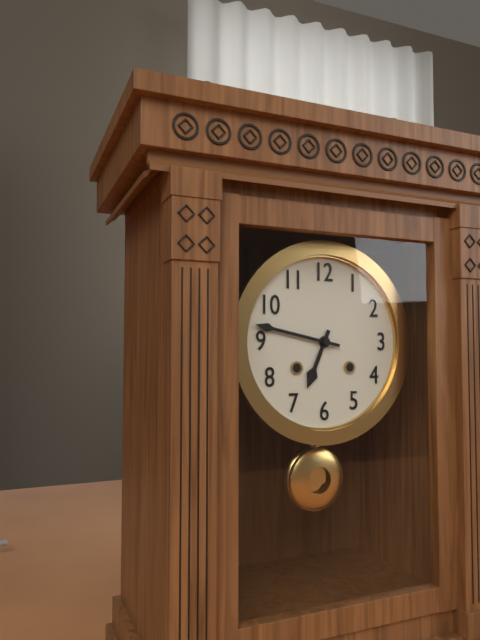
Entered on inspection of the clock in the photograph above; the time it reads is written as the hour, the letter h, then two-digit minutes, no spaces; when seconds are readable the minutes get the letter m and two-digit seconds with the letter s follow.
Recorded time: 6h47
